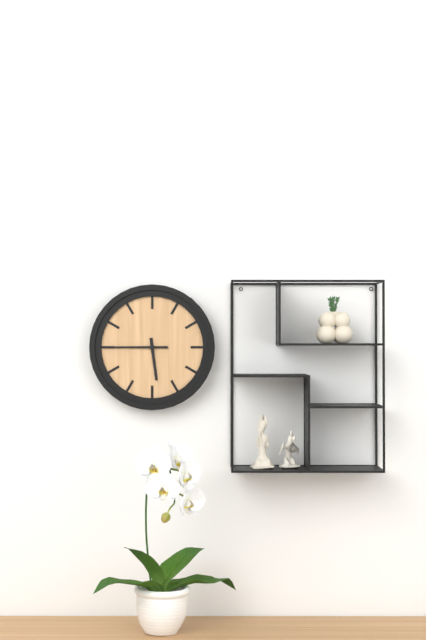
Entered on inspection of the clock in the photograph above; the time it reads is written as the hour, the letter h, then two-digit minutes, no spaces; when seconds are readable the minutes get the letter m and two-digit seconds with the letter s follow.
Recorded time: 5h45
